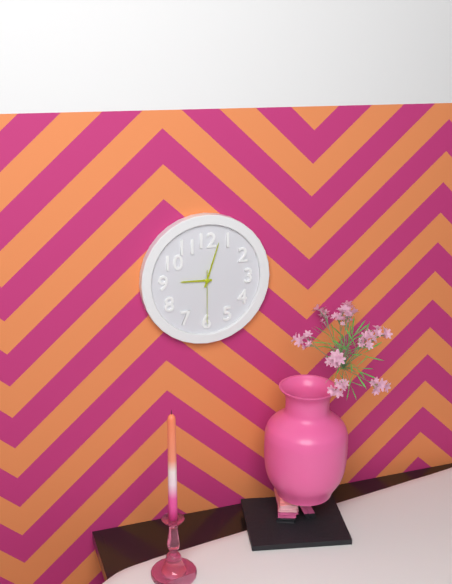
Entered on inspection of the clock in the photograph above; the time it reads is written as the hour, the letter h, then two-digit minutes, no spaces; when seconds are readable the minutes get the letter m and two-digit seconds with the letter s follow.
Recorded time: 9h03m30s
